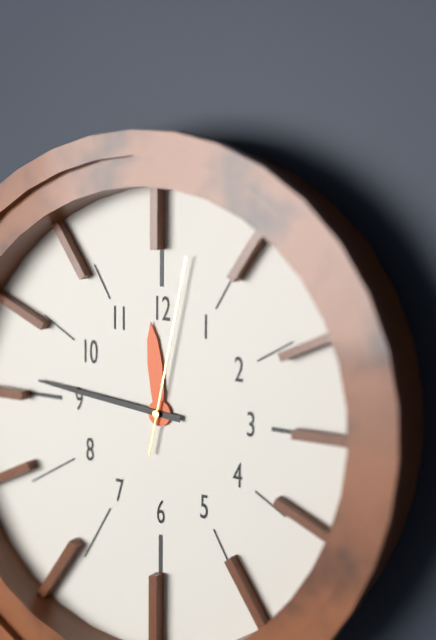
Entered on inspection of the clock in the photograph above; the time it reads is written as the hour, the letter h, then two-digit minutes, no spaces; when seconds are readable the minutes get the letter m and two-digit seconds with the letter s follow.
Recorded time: 11h46m02s
